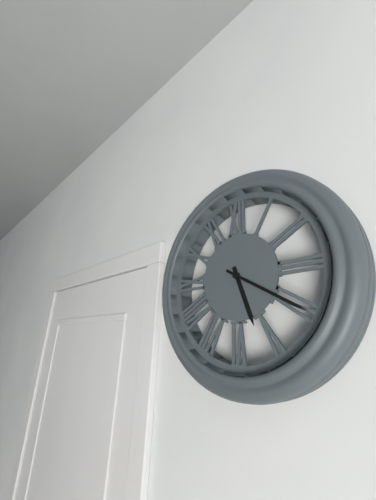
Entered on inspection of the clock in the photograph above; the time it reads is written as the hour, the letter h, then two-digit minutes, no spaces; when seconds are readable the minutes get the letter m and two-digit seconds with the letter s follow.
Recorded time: 5h20
